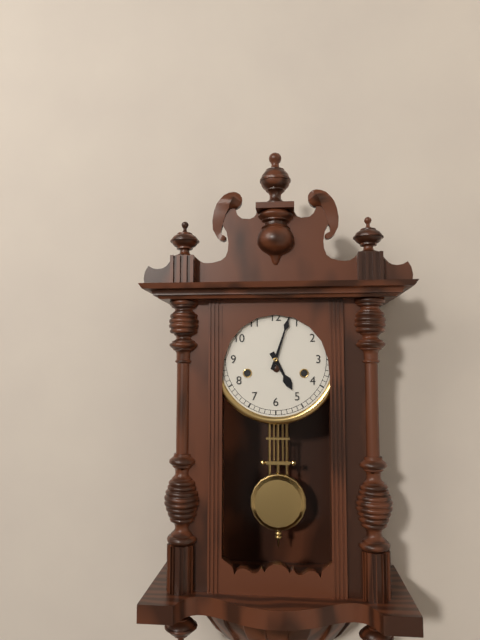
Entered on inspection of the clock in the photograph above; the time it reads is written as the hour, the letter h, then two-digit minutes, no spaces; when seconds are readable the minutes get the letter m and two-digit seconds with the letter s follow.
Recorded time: 5h03
